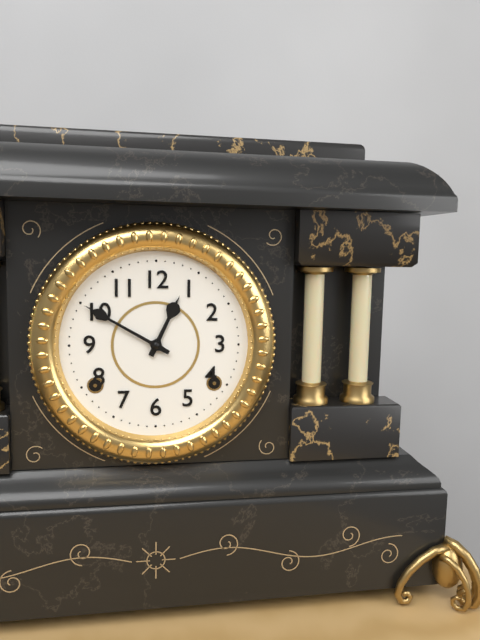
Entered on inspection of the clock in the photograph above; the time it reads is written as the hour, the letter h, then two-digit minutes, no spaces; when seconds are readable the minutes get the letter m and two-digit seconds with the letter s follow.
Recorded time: 12h50
